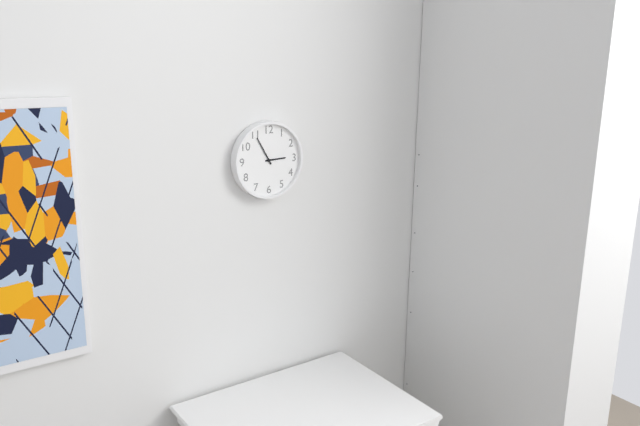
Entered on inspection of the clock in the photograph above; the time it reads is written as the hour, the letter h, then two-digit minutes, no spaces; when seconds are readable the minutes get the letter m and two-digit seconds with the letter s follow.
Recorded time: 2h55
